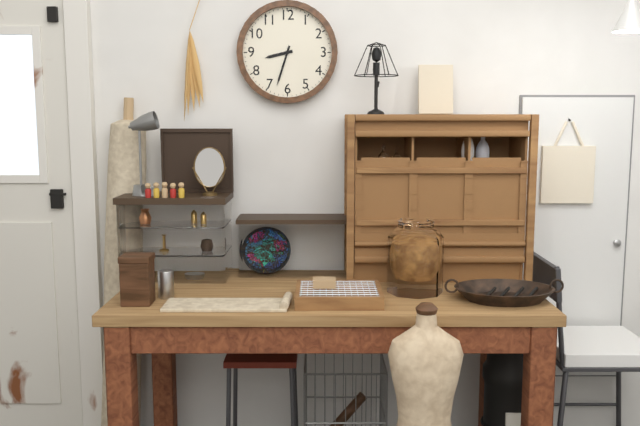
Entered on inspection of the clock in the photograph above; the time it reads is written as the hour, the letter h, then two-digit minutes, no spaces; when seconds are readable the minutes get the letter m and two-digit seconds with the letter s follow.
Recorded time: 8h33
